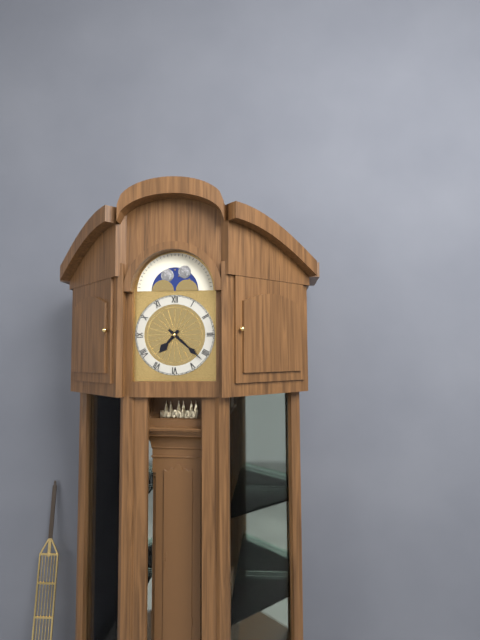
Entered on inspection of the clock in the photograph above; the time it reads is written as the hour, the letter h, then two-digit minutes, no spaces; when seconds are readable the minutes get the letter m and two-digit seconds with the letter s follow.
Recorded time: 7h22
